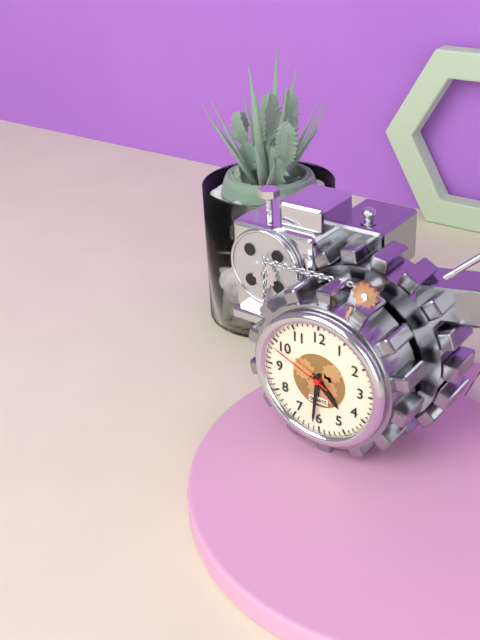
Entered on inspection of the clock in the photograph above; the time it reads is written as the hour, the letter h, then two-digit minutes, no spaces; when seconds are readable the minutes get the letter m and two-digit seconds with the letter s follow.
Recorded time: 4h31m49s
